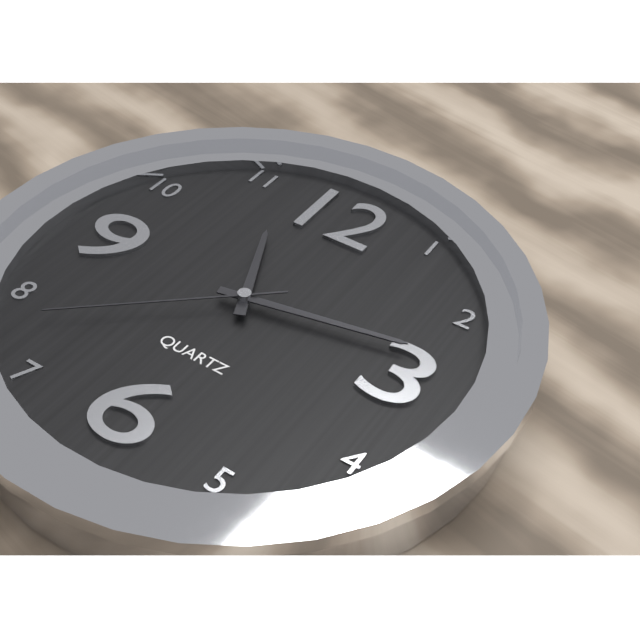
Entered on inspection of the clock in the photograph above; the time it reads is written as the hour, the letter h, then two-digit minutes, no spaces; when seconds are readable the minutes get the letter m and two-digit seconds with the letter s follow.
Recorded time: 11h13m38s
